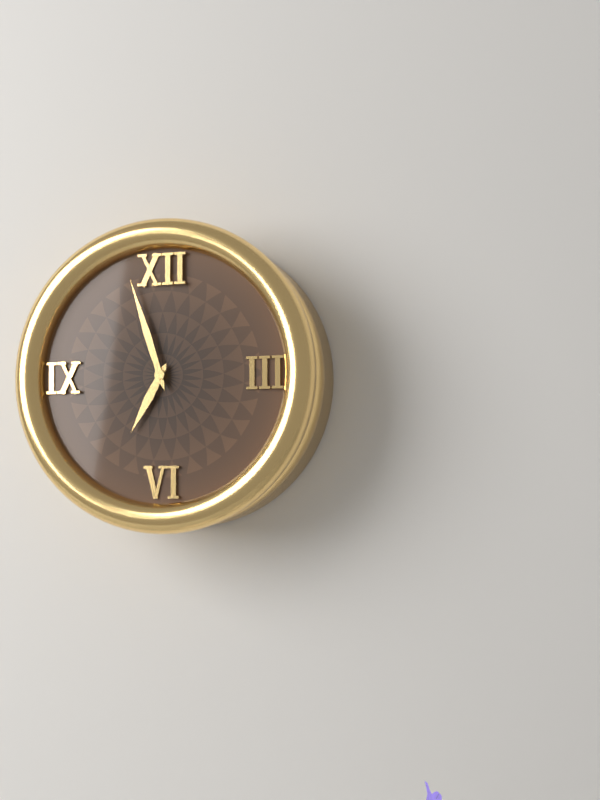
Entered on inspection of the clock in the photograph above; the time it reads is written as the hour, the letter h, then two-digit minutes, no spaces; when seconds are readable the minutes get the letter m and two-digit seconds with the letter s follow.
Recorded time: 6h57
